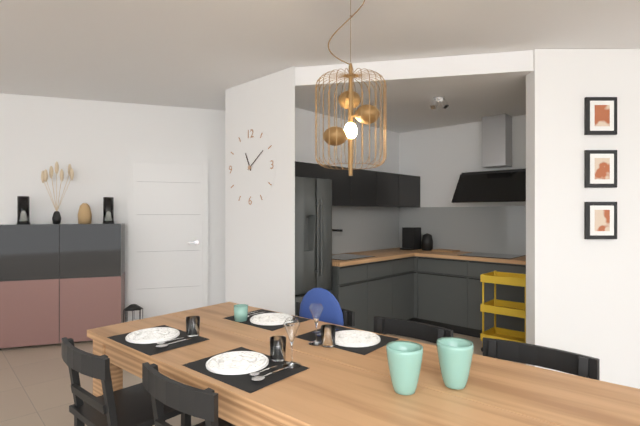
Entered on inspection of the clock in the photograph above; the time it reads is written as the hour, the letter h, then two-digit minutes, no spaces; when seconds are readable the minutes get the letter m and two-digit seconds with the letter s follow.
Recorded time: 11h09
